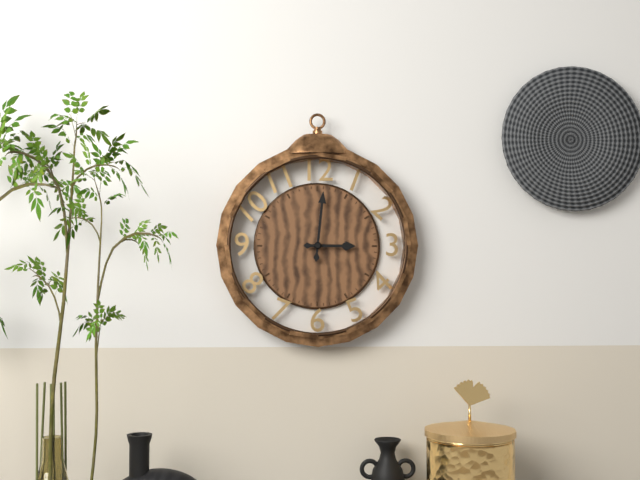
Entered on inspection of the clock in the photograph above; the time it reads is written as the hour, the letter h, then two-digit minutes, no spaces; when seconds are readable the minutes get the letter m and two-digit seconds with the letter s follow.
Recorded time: 3h01
